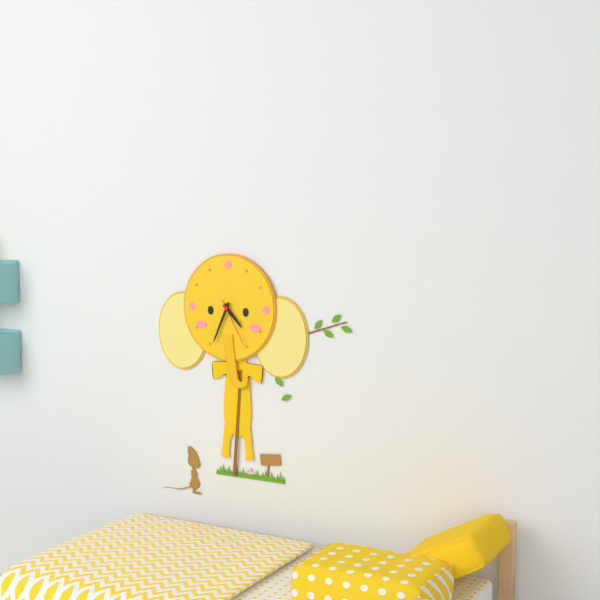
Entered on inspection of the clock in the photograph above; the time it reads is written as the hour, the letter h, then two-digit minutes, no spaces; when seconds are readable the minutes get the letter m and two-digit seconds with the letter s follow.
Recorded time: 4h34m25s
